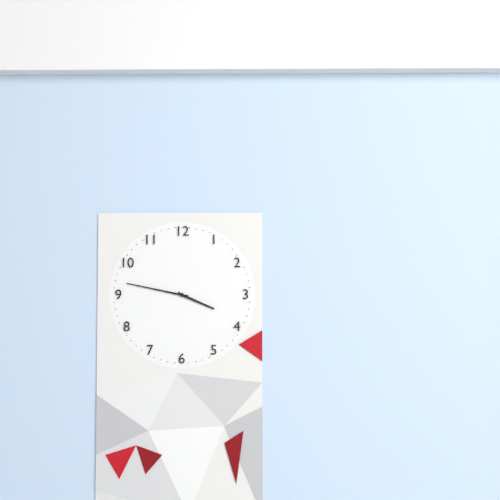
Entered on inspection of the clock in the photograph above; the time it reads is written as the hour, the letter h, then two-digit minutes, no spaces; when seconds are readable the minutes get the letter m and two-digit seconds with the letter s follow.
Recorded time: 3h47
